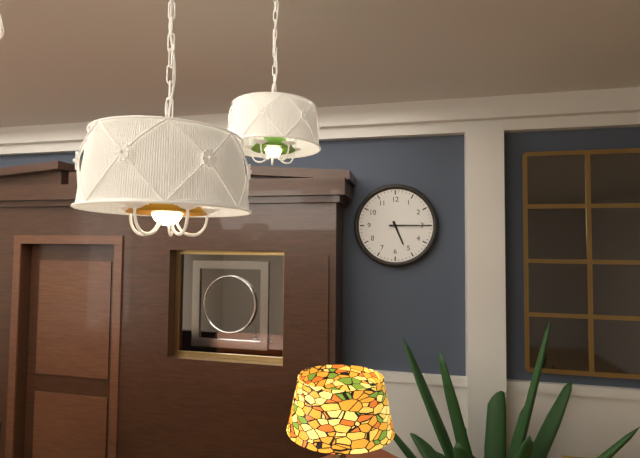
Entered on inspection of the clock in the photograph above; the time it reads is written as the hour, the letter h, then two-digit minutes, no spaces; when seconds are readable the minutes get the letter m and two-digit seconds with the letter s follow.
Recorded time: 5h15
